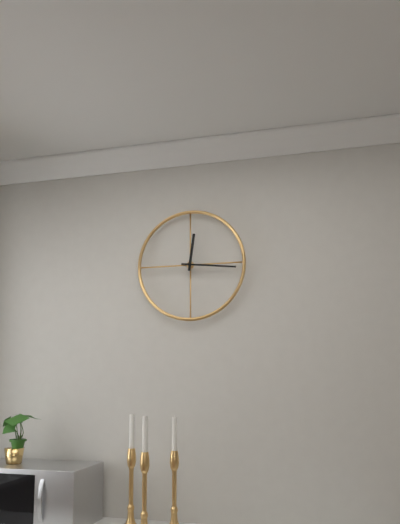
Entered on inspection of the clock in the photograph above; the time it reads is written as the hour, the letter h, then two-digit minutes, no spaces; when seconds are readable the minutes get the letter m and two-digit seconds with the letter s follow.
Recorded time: 12h16
